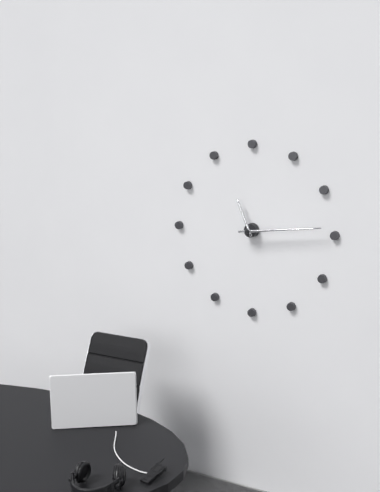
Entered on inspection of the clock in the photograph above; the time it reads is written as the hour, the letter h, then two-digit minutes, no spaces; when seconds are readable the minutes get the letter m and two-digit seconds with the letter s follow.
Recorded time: 11h14
